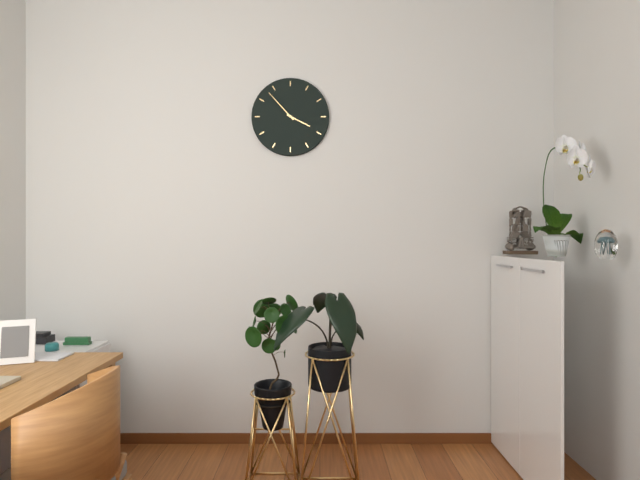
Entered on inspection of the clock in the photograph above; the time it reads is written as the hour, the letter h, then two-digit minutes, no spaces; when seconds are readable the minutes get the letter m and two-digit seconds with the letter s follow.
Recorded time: 3h53
